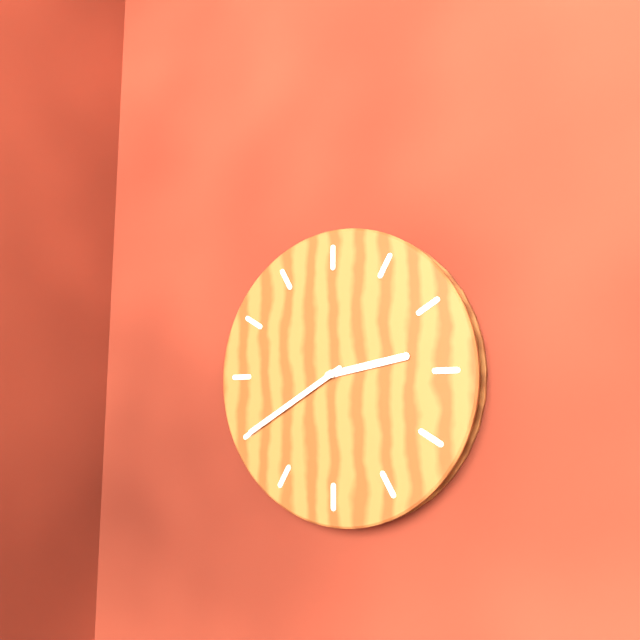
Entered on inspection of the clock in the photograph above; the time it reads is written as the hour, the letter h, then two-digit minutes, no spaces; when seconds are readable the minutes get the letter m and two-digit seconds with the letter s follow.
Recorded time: 2h40
